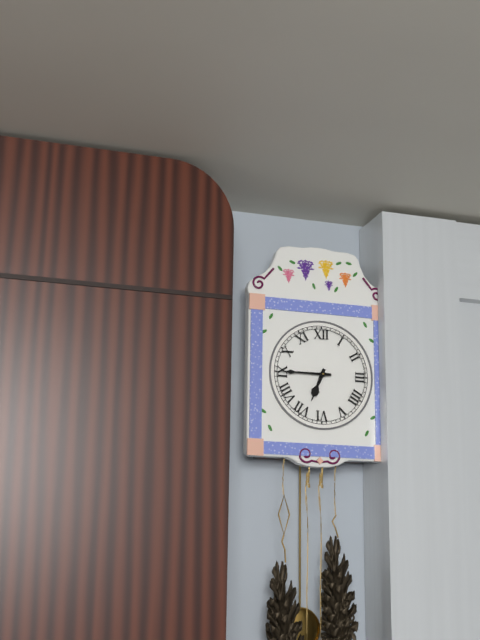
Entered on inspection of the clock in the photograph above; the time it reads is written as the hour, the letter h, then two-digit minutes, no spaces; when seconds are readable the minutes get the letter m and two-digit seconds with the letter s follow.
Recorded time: 6h45
